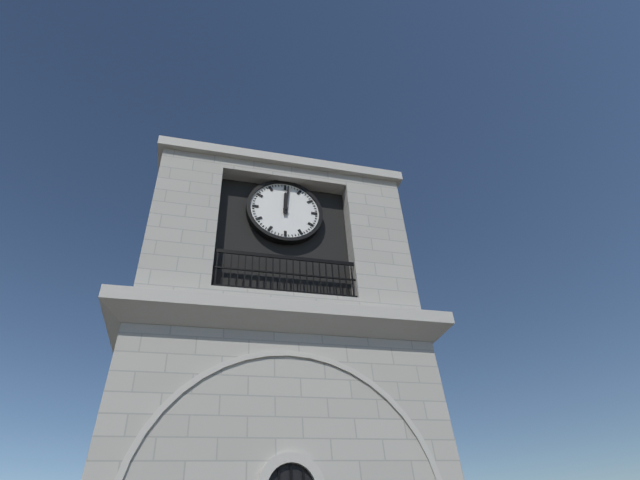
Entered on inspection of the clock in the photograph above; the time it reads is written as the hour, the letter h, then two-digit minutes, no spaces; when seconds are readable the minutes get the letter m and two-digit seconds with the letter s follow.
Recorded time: 12h01
